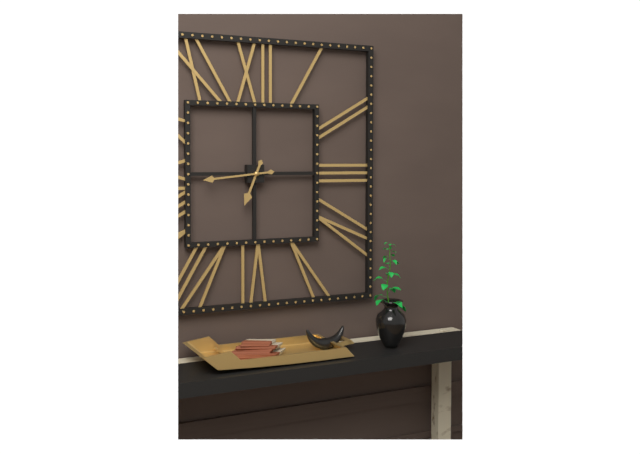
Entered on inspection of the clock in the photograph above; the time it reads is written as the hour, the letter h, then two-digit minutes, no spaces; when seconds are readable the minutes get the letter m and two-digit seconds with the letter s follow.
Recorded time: 6h44
